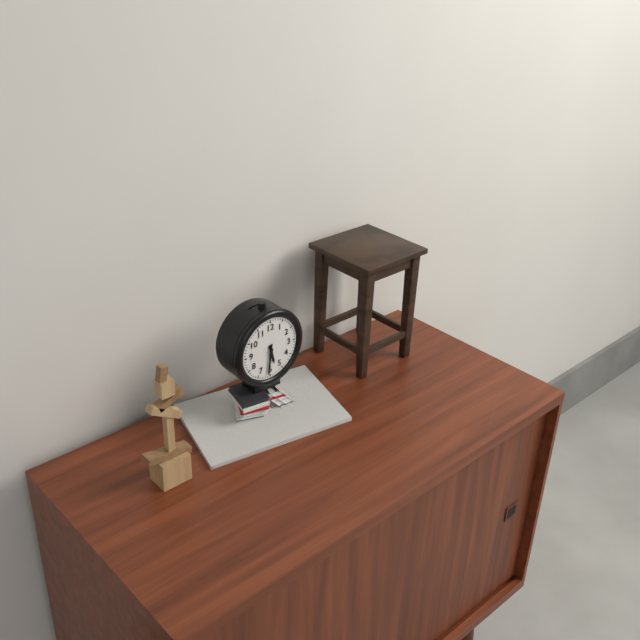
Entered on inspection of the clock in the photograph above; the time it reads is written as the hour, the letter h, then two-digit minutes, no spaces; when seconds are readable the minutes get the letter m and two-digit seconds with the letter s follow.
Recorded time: 5h31
